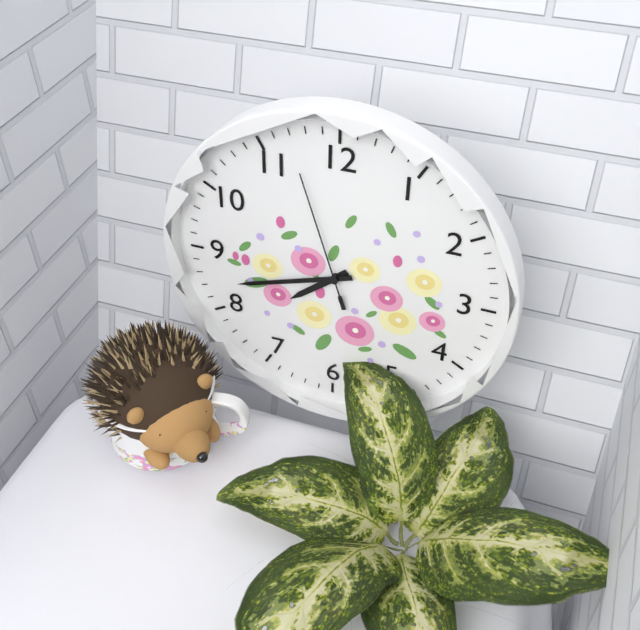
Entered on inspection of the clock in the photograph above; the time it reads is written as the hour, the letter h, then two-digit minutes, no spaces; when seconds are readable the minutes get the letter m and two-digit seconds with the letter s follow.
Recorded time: 7h42m57s
